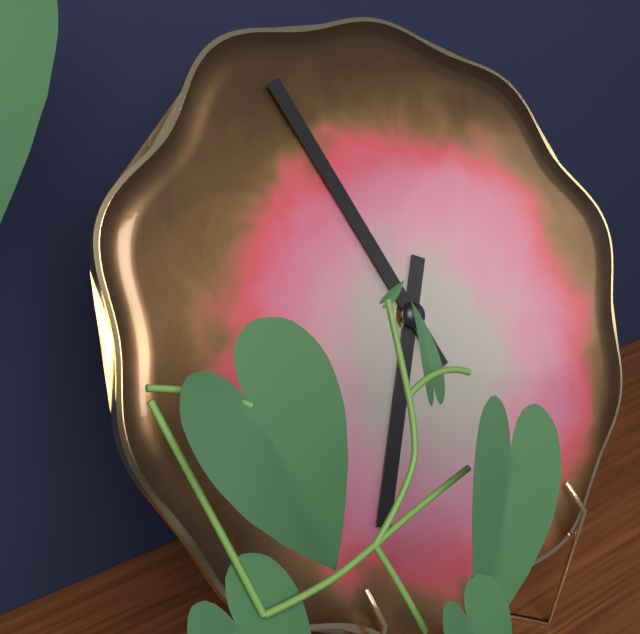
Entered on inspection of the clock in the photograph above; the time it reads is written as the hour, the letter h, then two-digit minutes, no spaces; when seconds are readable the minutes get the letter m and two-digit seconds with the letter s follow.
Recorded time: 6h57
